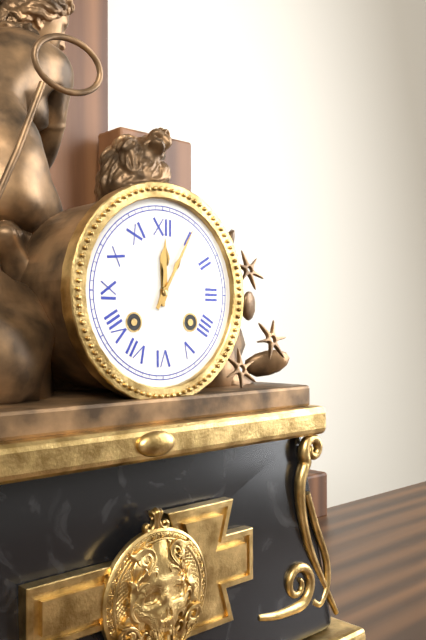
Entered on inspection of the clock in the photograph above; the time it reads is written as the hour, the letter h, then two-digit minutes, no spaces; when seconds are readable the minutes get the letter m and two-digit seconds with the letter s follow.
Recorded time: 12h05
